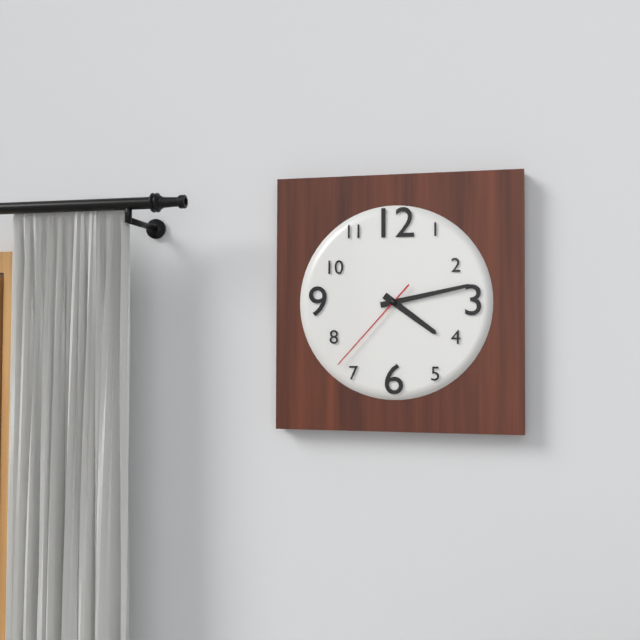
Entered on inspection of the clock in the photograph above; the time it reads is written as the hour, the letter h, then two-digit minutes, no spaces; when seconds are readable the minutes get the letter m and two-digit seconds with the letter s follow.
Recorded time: 4h13m37s
